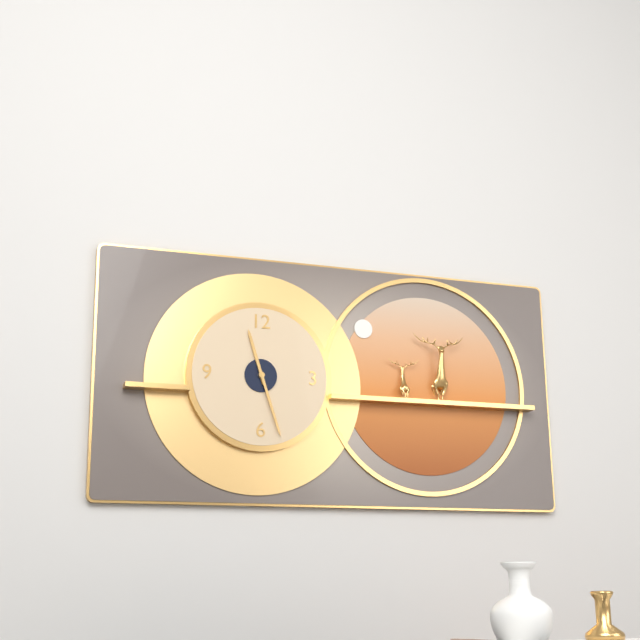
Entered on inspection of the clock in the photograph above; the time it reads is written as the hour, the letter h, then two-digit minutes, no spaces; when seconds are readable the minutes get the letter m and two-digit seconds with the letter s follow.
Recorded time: 11h27
